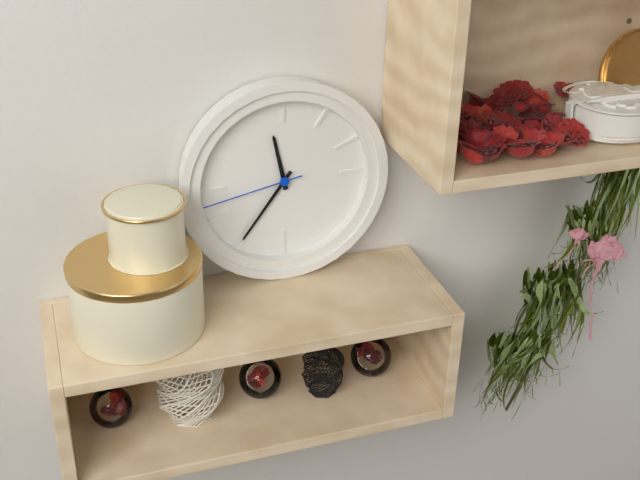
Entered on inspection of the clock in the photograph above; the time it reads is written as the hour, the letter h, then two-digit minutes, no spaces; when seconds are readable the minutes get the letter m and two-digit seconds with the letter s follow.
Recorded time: 11h36m43s
